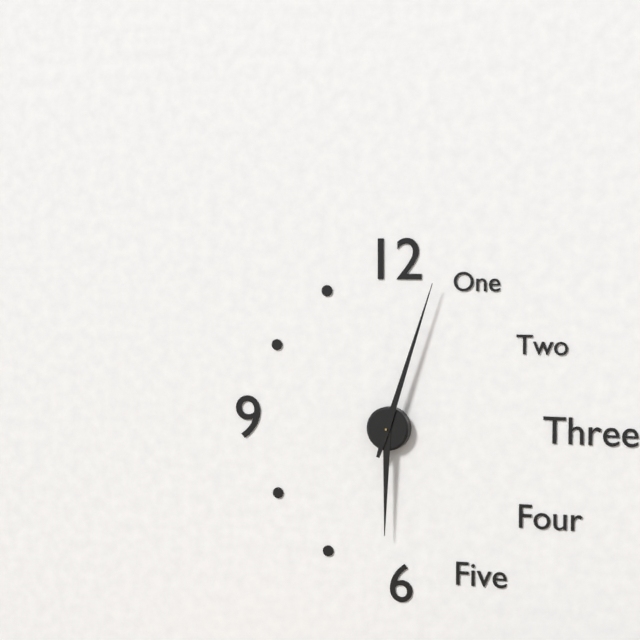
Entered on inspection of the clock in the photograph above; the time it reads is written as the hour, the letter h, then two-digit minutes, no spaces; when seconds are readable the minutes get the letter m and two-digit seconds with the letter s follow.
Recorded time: 6h03
